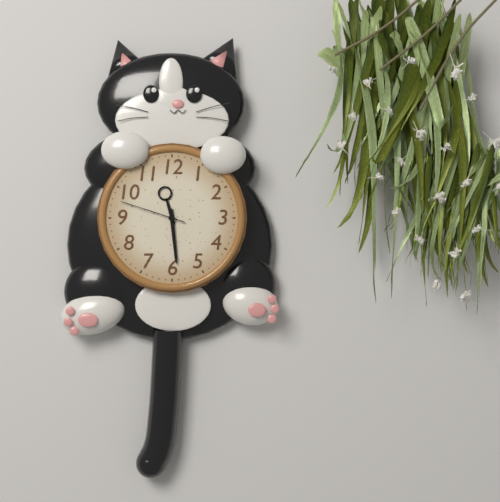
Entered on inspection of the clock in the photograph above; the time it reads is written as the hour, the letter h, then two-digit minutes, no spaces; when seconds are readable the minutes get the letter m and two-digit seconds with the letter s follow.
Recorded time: 11h29m48s
